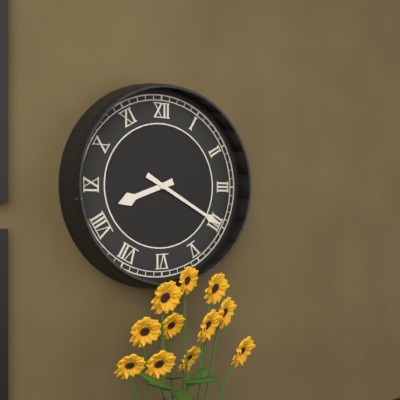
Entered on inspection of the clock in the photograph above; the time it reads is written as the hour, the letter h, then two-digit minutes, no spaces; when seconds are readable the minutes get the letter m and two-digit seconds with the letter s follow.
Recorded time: 8h20
